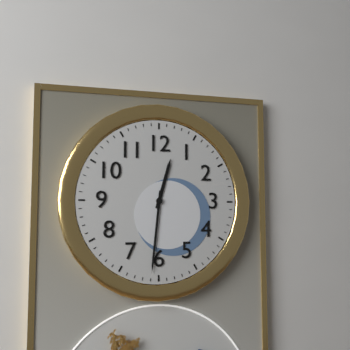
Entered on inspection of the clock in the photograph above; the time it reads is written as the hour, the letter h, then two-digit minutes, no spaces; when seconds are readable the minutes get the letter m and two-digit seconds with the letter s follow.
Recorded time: 12h31
